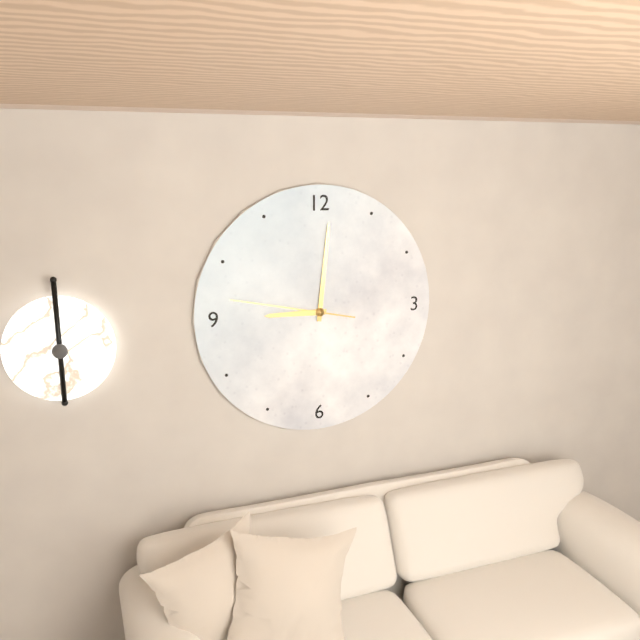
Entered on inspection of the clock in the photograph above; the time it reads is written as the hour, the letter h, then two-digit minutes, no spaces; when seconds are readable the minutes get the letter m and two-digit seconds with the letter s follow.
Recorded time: 9h01m47s
